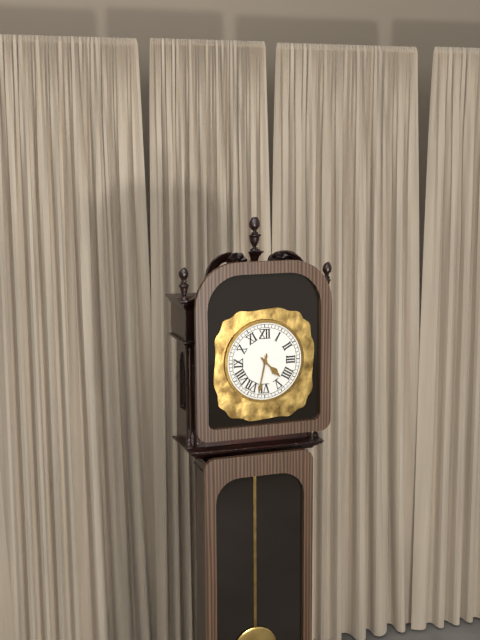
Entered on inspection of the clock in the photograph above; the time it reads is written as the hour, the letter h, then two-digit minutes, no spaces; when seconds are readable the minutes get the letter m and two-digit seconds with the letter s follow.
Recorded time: 4h32
